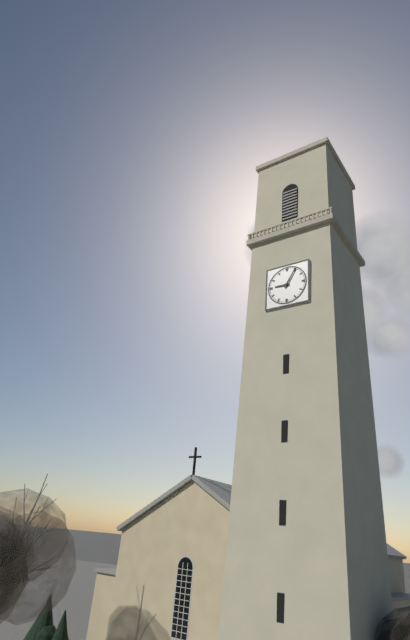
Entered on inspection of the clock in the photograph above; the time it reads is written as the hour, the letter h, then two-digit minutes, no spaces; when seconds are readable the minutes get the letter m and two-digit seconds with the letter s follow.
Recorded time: 9h05
